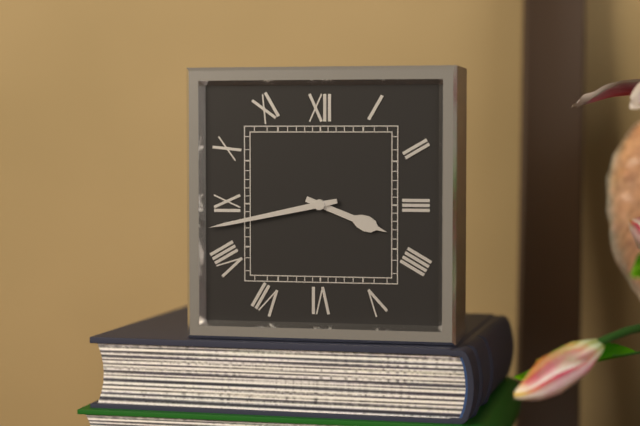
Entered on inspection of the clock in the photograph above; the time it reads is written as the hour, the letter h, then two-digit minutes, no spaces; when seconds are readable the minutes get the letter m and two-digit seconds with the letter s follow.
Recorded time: 3h43
